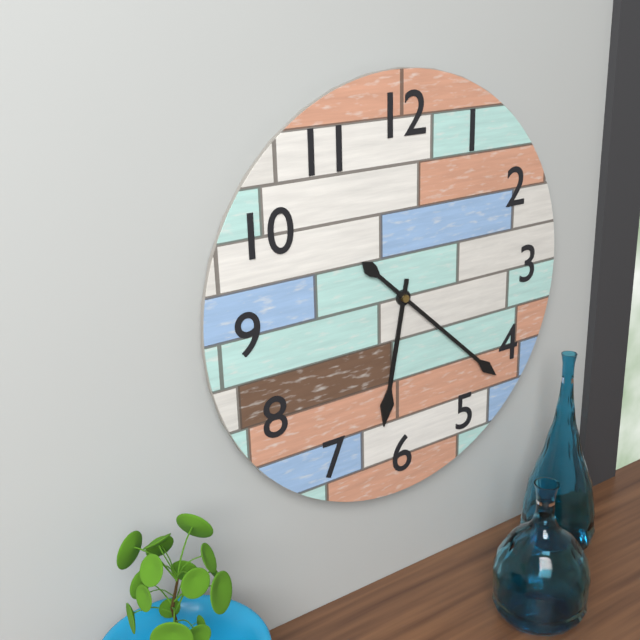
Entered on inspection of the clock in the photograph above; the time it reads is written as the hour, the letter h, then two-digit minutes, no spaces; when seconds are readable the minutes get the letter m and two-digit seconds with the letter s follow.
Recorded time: 6h22
